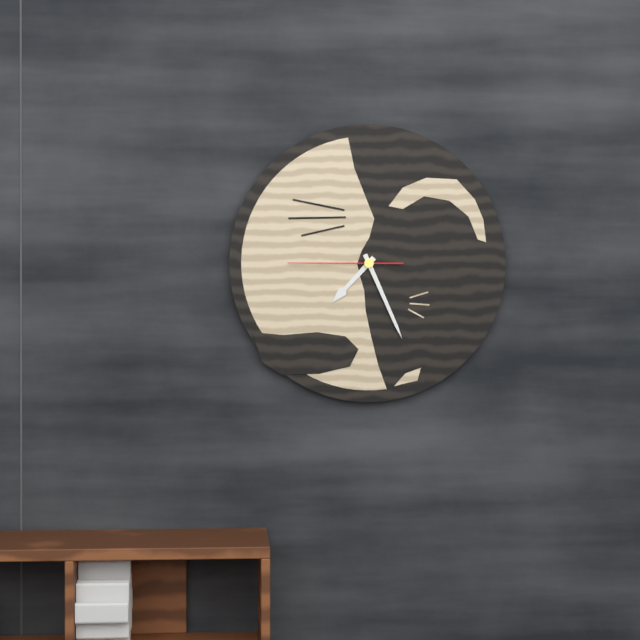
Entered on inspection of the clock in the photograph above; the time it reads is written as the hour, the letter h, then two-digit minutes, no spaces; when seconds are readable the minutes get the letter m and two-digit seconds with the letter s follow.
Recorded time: 7h26m45s
